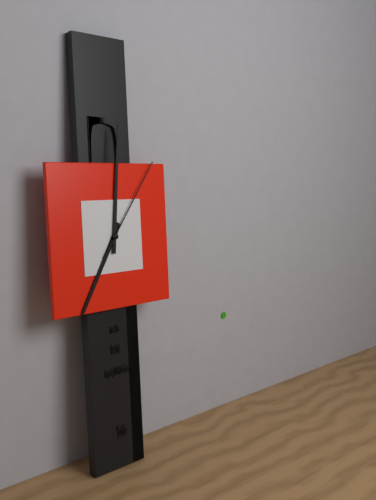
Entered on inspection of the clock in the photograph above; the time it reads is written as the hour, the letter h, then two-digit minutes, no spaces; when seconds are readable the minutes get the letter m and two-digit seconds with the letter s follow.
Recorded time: 7h01m06s
